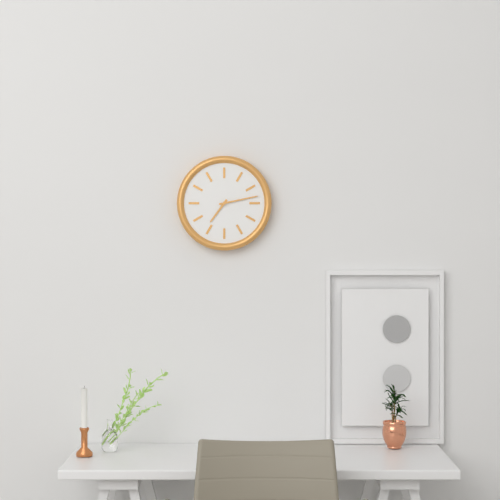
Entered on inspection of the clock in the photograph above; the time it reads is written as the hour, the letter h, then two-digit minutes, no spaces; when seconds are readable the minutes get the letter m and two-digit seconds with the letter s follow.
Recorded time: 7h13
